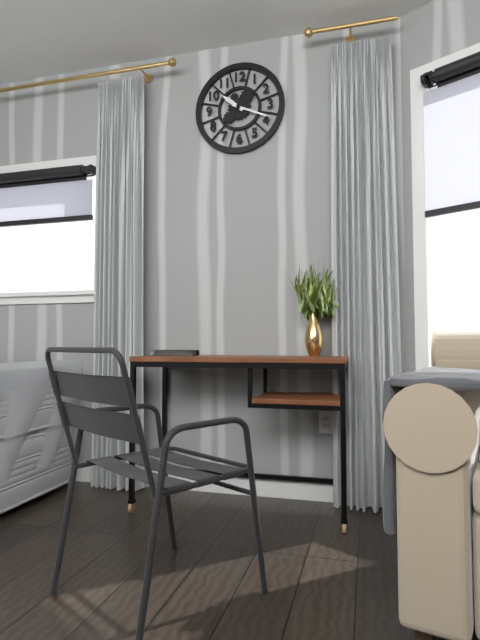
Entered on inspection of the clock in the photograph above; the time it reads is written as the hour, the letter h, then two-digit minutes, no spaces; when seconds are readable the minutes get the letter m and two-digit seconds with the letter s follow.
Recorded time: 10h19
